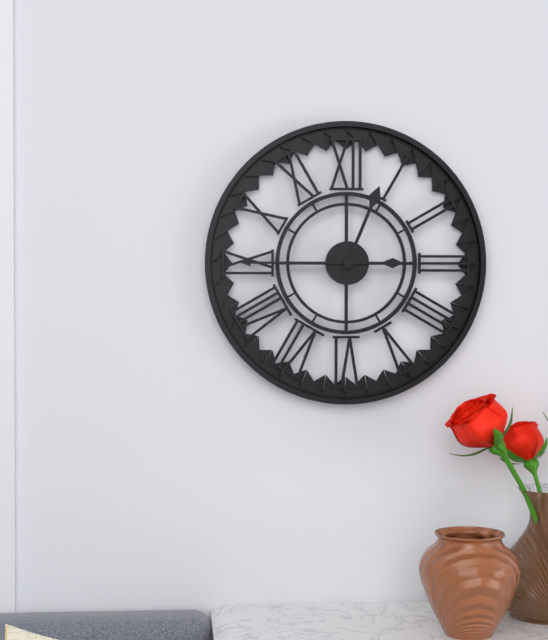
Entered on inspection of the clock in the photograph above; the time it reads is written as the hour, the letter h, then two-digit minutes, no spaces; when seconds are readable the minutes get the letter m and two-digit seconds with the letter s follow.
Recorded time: 12h45
